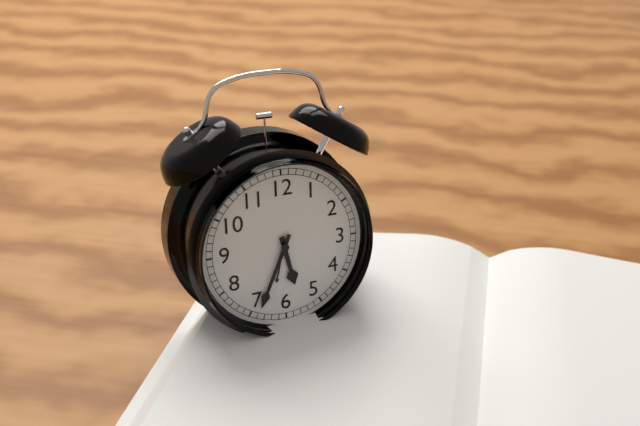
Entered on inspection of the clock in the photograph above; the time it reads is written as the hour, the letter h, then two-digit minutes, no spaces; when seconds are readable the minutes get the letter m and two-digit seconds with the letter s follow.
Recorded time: 5h34
